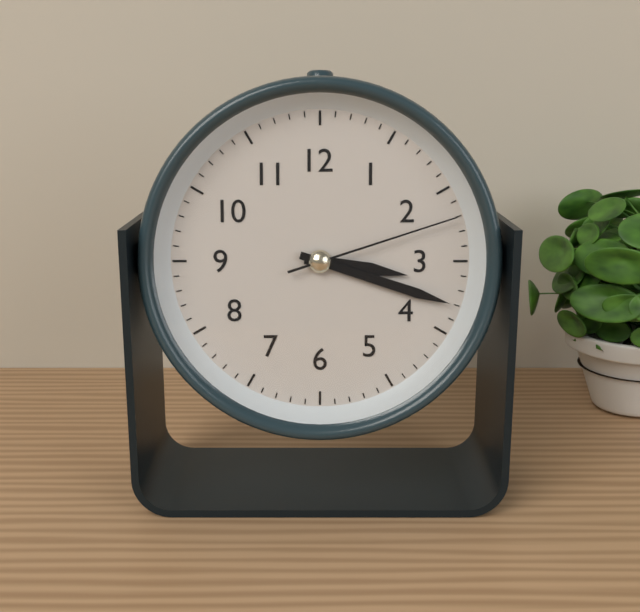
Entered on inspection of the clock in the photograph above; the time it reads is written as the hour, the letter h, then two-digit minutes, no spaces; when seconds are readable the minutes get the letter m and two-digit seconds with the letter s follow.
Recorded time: 3h18m12s
